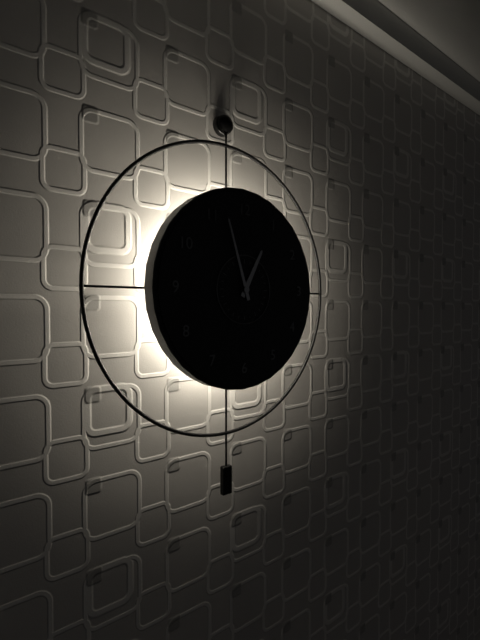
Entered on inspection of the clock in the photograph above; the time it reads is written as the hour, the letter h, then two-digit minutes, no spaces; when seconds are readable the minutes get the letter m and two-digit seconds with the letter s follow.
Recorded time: 12h57
